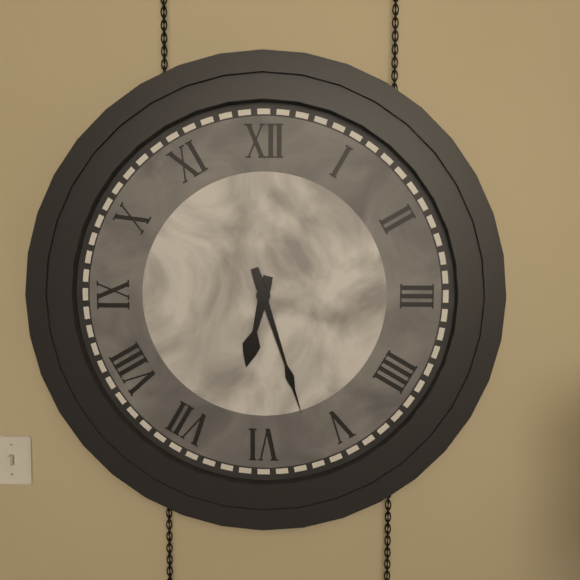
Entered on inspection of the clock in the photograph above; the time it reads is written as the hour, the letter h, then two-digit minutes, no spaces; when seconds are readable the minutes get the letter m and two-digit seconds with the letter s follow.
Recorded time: 6h27
